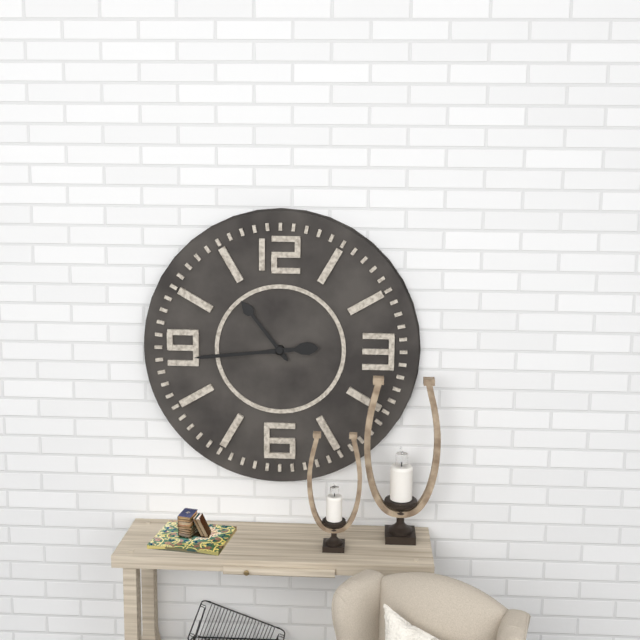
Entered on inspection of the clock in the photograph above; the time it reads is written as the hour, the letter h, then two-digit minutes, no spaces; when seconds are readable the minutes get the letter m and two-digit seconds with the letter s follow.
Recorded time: 10h44
